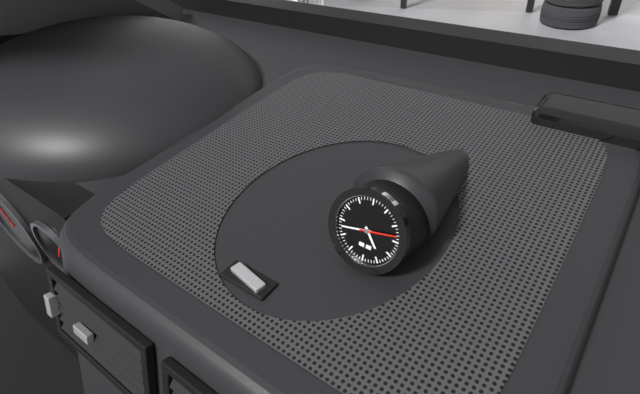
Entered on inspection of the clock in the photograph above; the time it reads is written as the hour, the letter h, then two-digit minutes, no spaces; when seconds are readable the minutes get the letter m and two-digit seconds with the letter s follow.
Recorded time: 4h43
